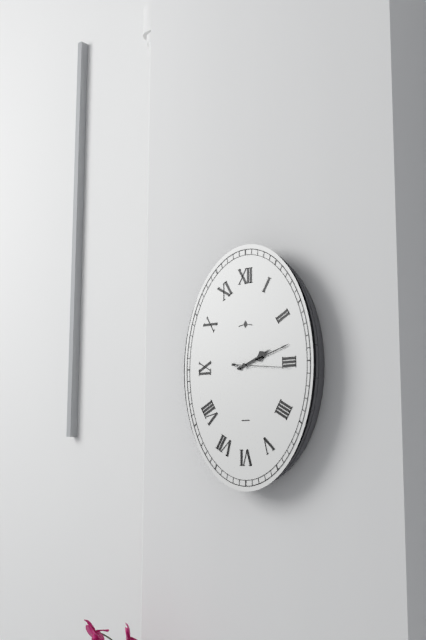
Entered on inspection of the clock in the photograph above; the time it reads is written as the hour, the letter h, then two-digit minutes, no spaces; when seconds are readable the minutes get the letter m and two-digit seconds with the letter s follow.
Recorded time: 2h12m16s
